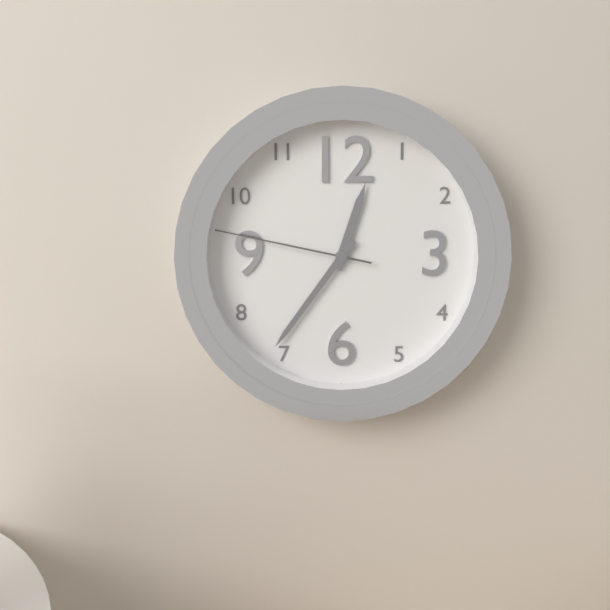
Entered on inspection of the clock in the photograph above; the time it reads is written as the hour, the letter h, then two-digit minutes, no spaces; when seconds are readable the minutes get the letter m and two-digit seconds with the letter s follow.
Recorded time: 12h36m47s
